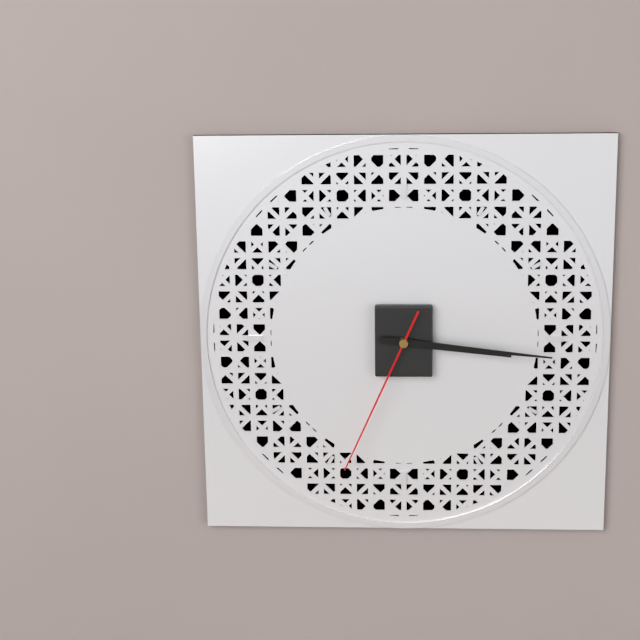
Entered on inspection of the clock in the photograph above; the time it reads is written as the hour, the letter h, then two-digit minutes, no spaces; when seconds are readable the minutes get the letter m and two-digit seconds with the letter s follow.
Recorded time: 3h16m34s
